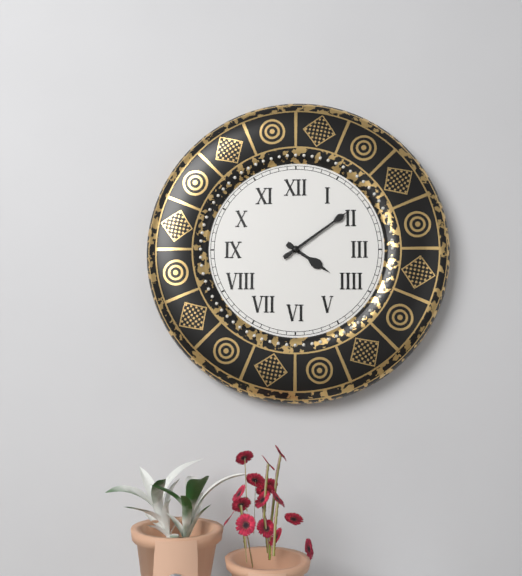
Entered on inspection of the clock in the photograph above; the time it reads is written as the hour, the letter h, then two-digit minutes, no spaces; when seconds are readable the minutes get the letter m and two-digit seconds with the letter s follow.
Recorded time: 4h09
